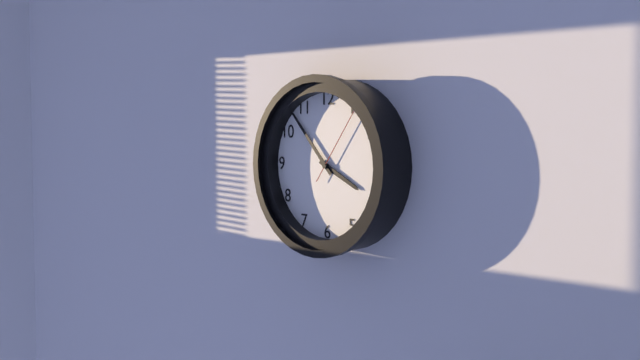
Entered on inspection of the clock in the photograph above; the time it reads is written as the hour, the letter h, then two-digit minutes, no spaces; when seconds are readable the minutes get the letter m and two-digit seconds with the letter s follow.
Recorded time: 3h53m06s
